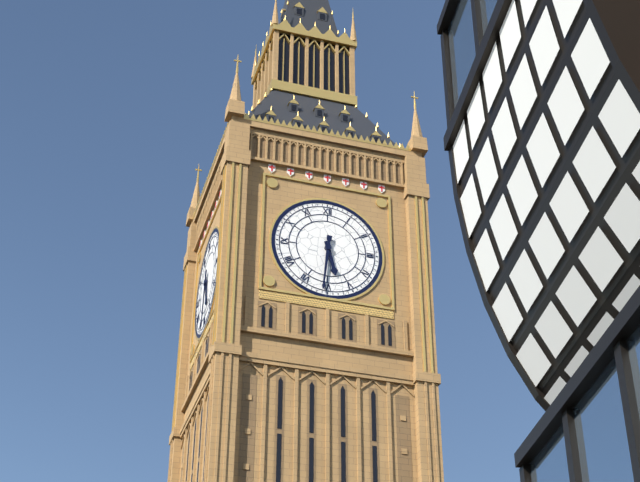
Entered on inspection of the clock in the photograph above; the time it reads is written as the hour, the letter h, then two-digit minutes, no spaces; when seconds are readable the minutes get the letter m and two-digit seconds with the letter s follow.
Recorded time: 5h31
